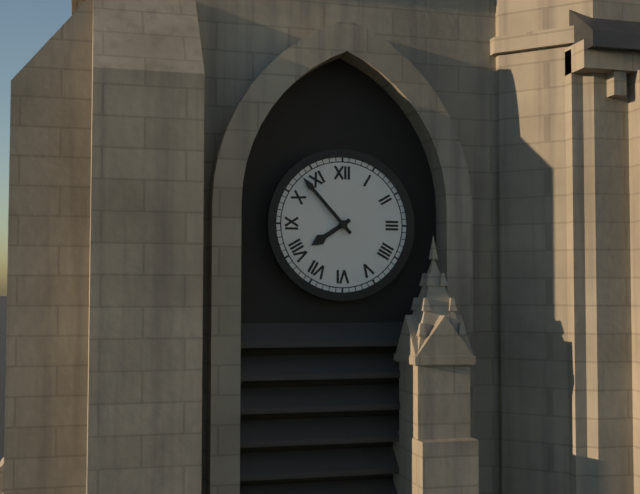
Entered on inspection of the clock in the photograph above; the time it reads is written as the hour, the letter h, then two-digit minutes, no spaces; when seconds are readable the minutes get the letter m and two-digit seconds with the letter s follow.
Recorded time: 7h53
